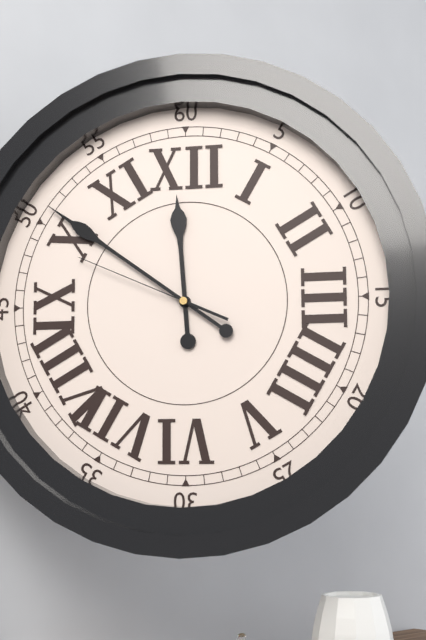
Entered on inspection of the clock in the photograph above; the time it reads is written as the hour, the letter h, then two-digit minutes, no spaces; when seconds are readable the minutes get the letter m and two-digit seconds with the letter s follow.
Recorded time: 11h51m49s
